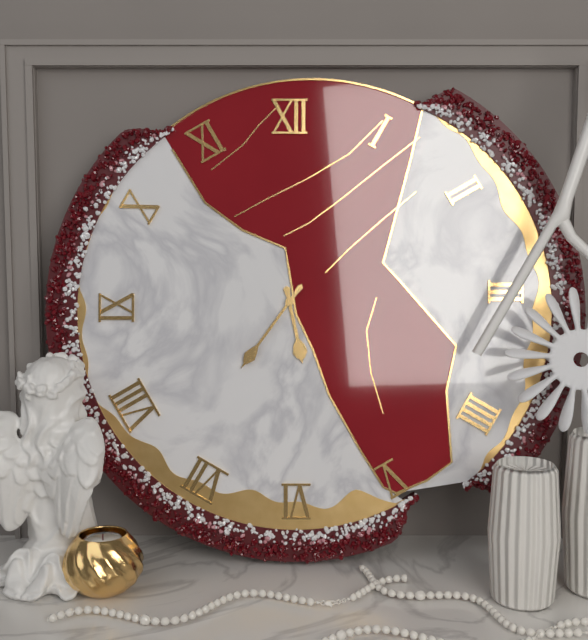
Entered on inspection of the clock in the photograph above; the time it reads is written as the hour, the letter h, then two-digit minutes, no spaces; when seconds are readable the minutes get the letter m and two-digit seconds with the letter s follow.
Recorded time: 5h36
